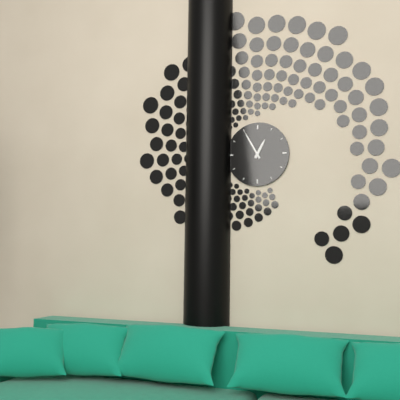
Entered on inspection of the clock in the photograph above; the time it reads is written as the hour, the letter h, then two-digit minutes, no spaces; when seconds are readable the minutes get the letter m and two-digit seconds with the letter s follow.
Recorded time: 12h55
